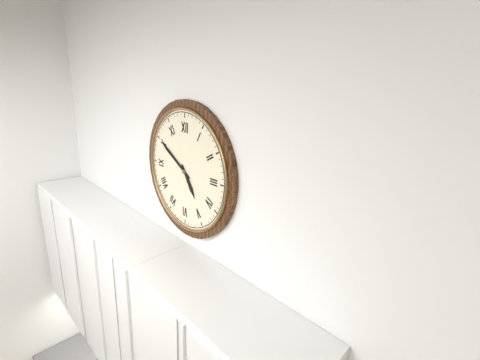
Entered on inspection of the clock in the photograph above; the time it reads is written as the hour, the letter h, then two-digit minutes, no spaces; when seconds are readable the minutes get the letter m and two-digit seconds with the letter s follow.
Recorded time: 4h50
